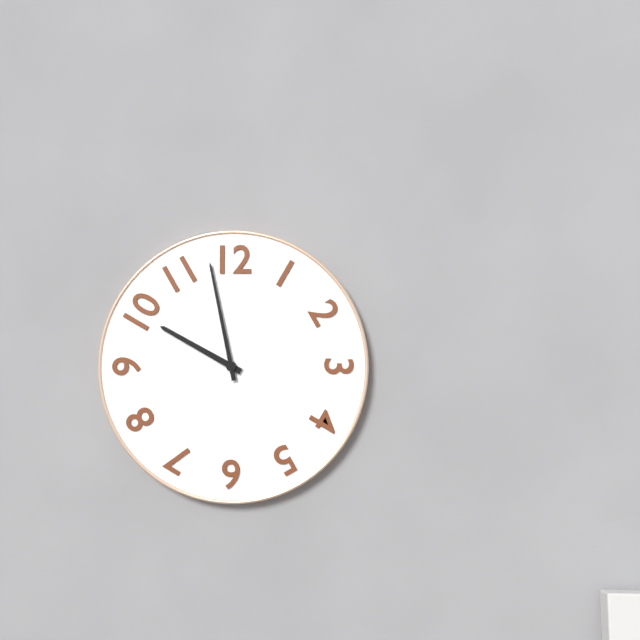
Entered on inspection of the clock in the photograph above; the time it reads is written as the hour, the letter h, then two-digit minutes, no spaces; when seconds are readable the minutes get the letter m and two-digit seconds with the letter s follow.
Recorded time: 9h58
